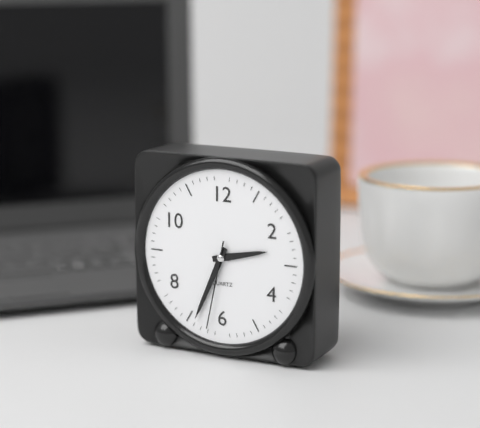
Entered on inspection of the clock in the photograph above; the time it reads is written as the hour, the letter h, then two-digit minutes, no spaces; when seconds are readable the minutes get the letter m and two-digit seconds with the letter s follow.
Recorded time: 2h34m32s
